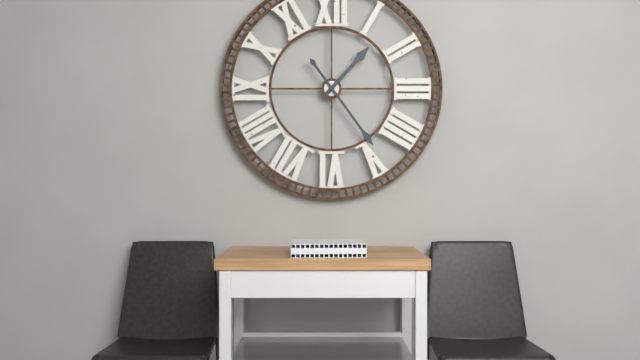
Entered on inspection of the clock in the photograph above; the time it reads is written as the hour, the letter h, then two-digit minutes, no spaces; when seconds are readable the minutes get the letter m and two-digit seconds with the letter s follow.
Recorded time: 1h24
